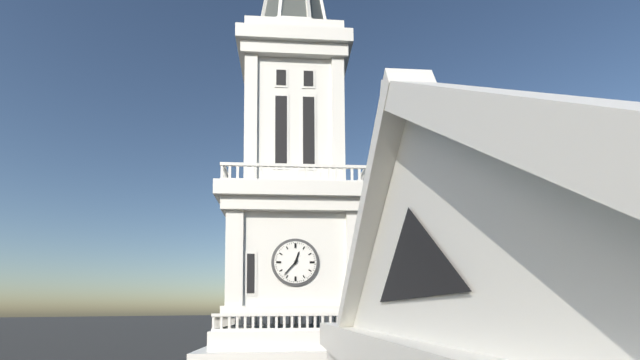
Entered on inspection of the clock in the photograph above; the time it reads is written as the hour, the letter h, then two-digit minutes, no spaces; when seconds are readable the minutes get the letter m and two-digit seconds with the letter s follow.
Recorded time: 12h37
